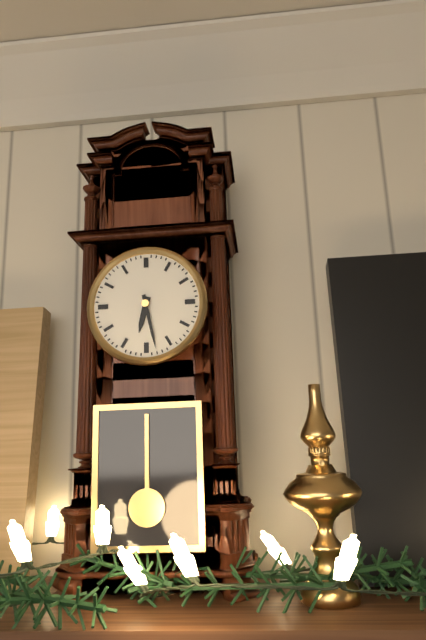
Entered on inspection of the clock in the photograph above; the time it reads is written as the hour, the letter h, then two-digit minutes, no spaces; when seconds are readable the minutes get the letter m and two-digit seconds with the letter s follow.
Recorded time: 6h28
